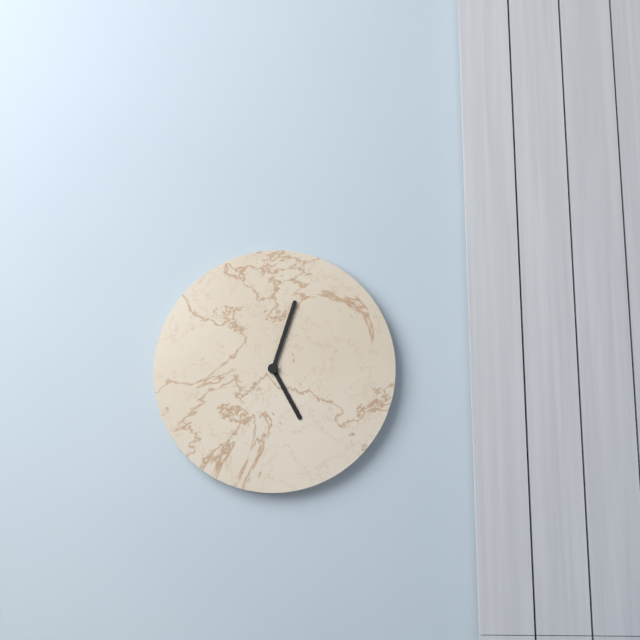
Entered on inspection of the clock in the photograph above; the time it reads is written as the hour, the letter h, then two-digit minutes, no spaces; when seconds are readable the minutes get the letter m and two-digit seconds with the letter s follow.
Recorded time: 5h03
